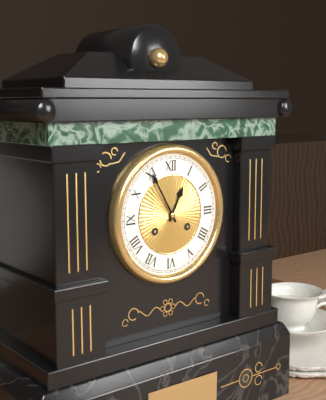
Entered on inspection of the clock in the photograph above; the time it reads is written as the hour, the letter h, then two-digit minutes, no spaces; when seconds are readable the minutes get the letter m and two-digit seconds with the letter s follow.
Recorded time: 12h55
